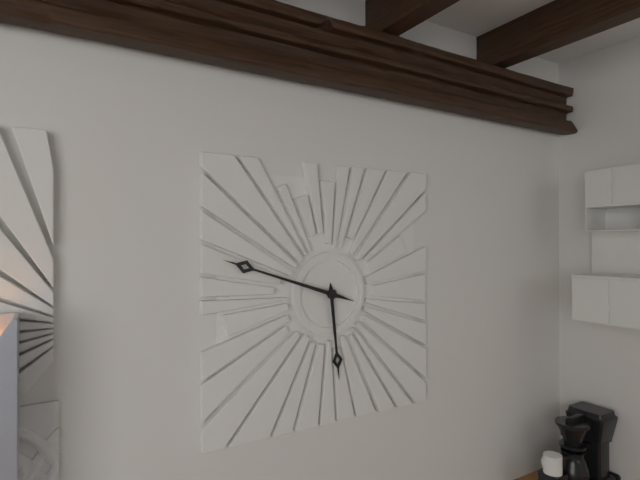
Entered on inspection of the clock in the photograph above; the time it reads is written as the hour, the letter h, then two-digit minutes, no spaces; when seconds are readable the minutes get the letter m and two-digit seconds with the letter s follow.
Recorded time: 5h48
